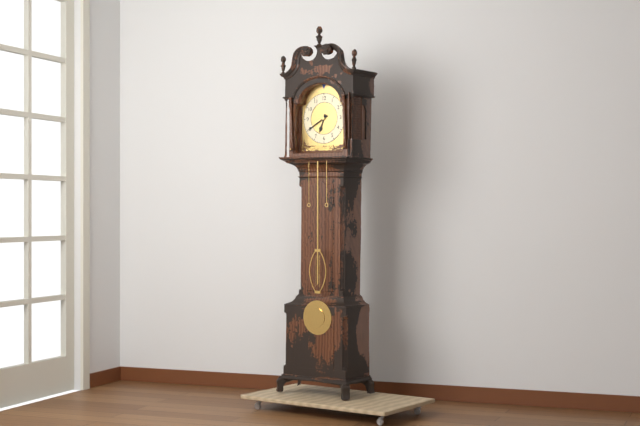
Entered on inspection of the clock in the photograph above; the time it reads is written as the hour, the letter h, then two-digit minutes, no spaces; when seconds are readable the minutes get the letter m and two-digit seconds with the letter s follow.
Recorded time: 6h40
